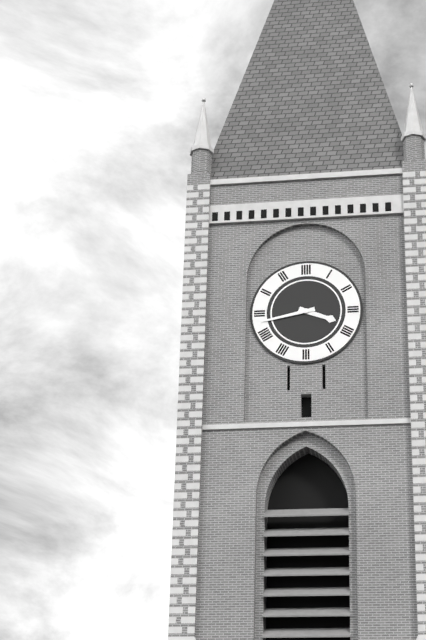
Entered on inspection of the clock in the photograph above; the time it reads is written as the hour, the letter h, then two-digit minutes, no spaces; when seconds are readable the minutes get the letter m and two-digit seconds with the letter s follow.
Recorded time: 3h43
